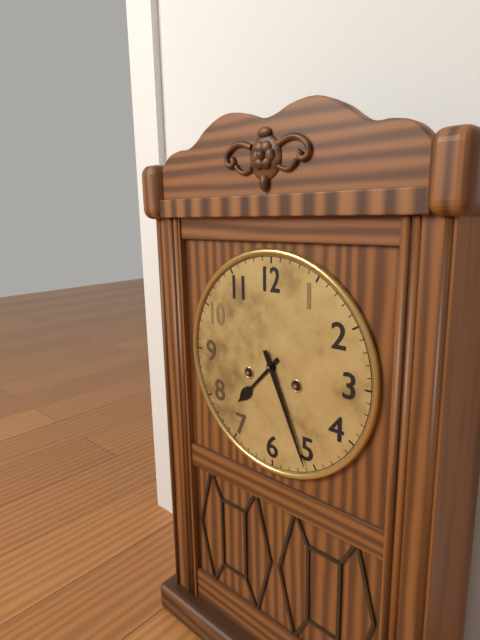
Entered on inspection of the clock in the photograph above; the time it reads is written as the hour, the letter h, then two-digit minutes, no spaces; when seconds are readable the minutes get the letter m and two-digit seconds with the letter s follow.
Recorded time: 7h26
